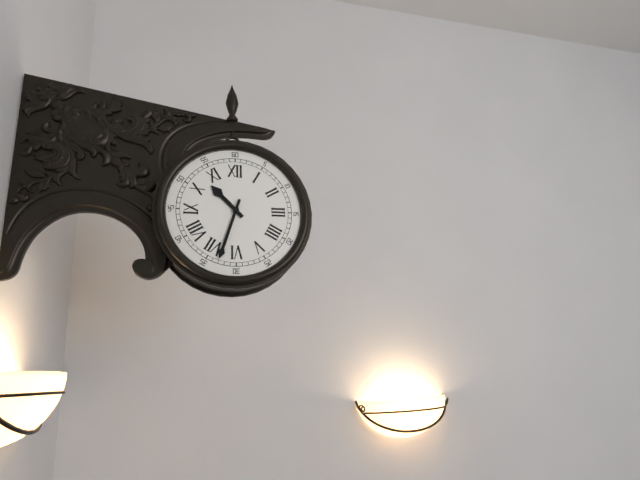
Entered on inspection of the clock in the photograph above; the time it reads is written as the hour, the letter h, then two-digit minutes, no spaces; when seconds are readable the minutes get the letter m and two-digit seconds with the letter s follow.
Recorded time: 10h33
